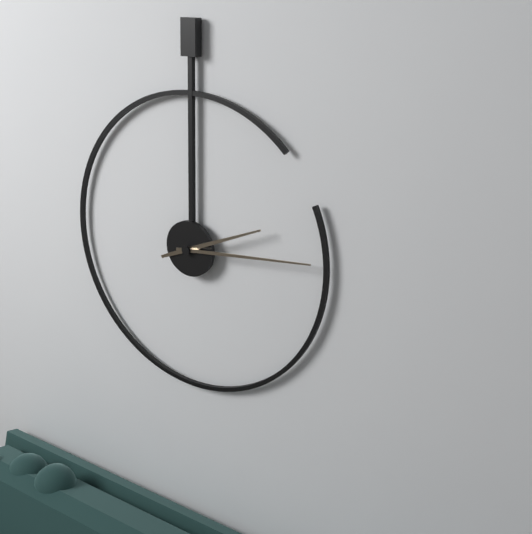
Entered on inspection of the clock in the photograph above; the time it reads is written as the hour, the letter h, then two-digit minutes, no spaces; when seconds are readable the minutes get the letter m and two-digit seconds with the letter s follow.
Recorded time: 2h14
